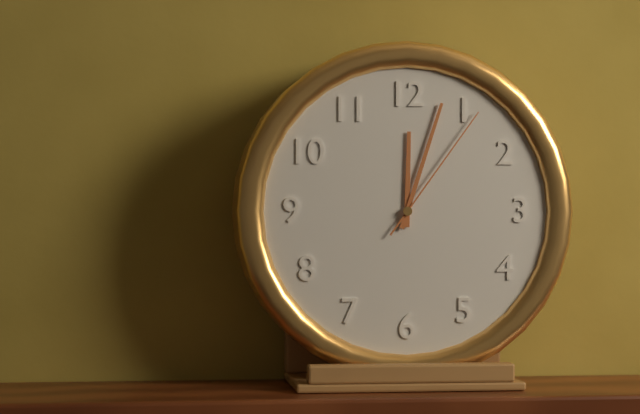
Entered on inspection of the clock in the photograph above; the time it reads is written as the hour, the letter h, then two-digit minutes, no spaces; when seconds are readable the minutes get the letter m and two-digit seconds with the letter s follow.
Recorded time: 12h03m06s
